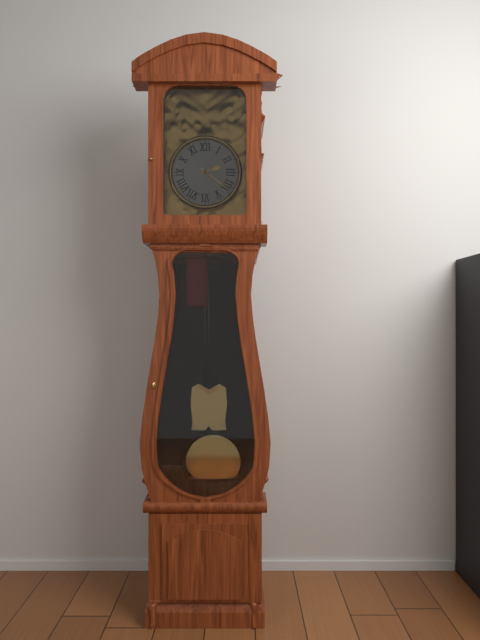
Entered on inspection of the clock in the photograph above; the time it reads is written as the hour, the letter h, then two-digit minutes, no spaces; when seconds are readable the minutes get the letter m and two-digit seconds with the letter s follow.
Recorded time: 2h21
